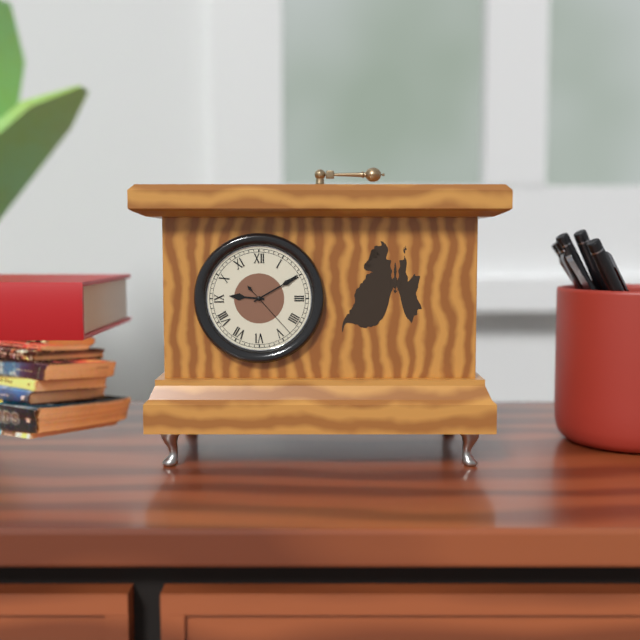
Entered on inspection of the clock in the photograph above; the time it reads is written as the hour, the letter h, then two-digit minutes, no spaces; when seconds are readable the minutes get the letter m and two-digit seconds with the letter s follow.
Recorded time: 9h10m23s
